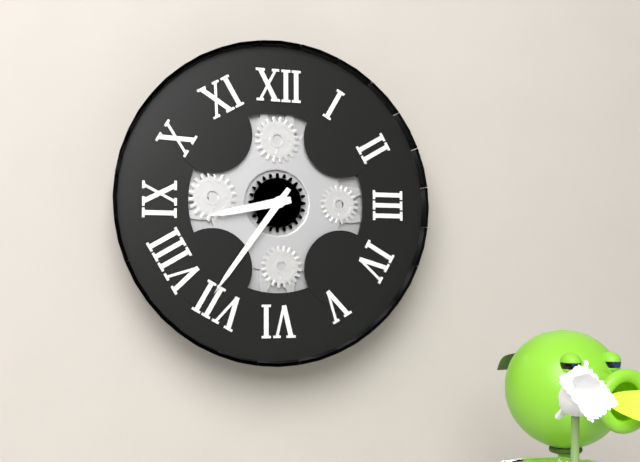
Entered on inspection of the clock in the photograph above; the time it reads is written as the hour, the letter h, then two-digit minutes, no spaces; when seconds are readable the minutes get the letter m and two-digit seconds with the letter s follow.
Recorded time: 8h36
